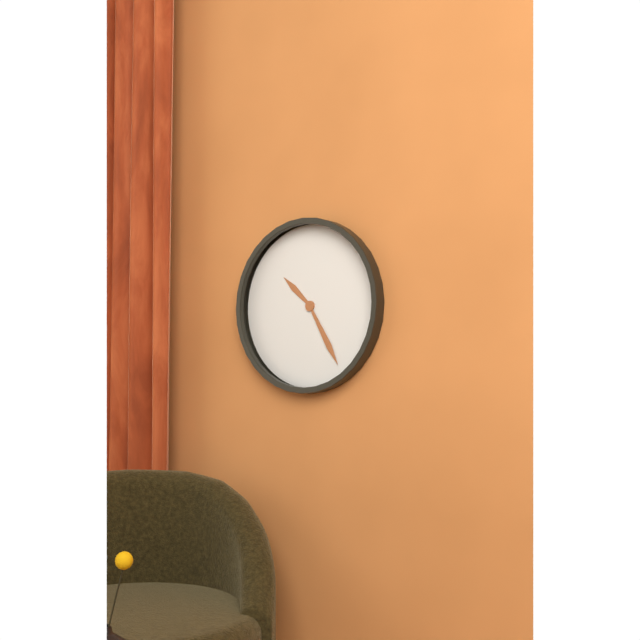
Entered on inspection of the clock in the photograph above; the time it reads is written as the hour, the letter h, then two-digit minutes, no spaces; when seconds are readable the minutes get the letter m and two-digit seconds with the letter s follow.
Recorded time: 10h25
